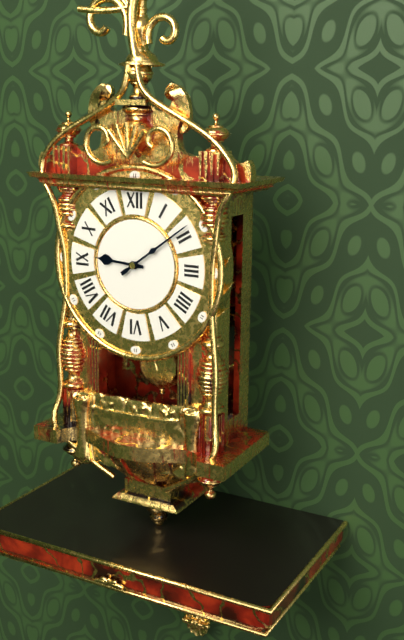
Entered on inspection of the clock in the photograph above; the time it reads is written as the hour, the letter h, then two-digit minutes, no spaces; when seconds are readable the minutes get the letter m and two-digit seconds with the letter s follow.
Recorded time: 9h09
